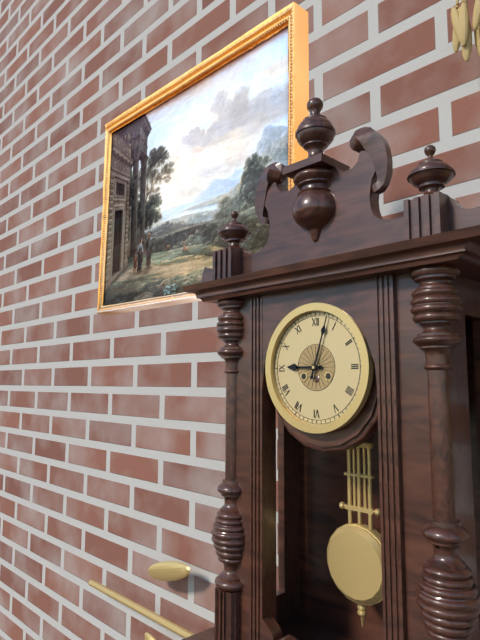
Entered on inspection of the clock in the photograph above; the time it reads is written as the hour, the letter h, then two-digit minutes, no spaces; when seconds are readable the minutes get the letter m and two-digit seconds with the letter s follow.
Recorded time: 9h03
